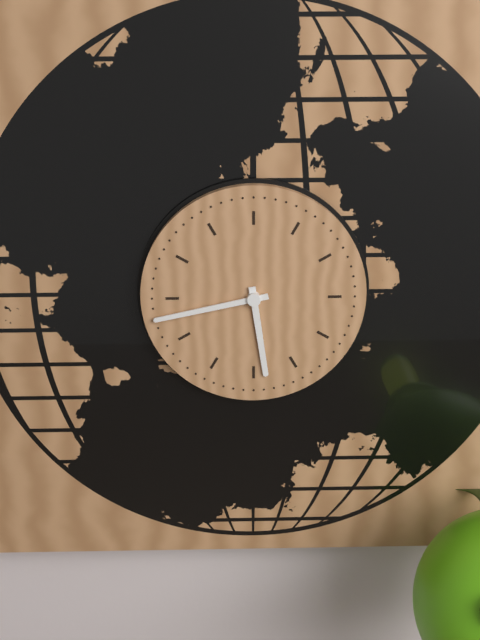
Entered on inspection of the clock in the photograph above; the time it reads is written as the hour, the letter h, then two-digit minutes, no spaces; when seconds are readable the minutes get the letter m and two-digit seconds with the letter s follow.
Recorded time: 5h43
